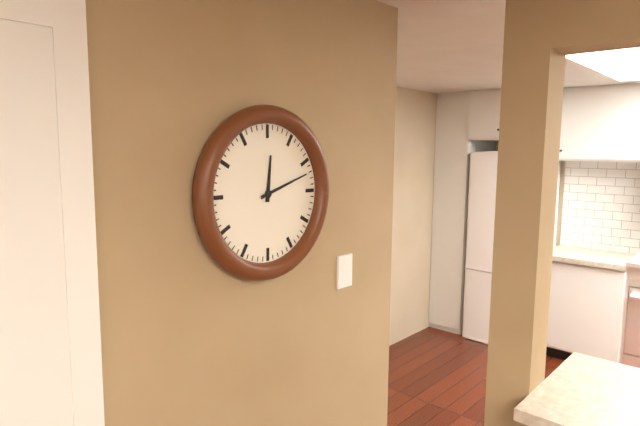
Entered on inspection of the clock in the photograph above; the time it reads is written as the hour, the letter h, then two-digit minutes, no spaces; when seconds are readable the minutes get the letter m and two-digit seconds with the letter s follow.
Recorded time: 12h12
